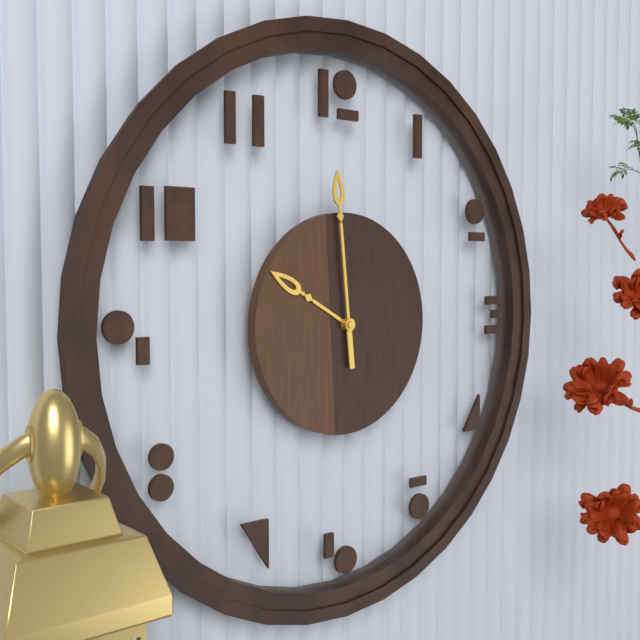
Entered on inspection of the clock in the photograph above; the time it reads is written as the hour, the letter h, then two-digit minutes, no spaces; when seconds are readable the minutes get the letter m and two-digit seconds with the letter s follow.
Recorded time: 9h59
